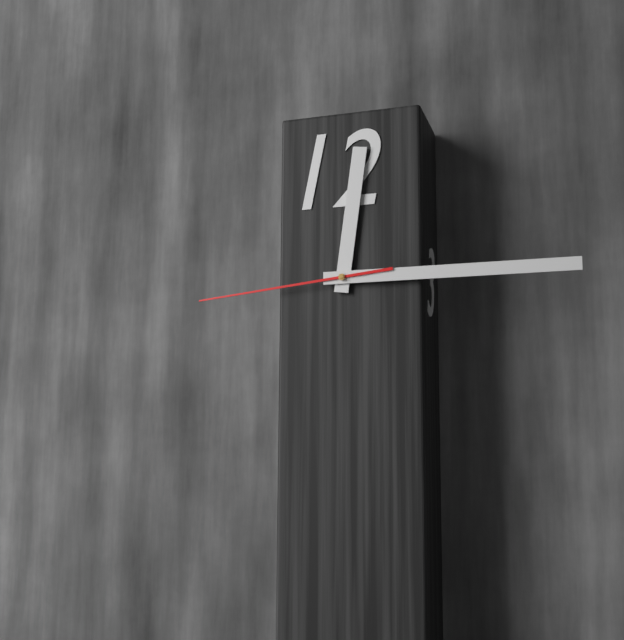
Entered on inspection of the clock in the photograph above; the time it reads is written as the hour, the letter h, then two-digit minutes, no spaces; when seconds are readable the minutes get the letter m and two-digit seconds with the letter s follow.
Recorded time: 12h15m44s
